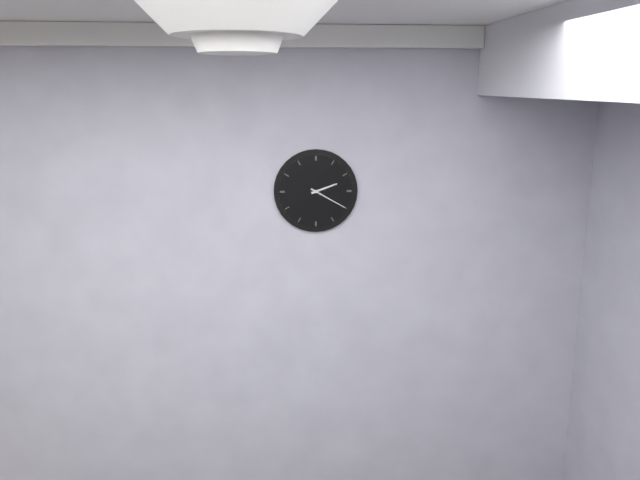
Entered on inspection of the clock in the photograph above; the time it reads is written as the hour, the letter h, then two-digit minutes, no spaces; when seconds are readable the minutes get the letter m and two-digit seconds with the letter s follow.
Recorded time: 2h20
